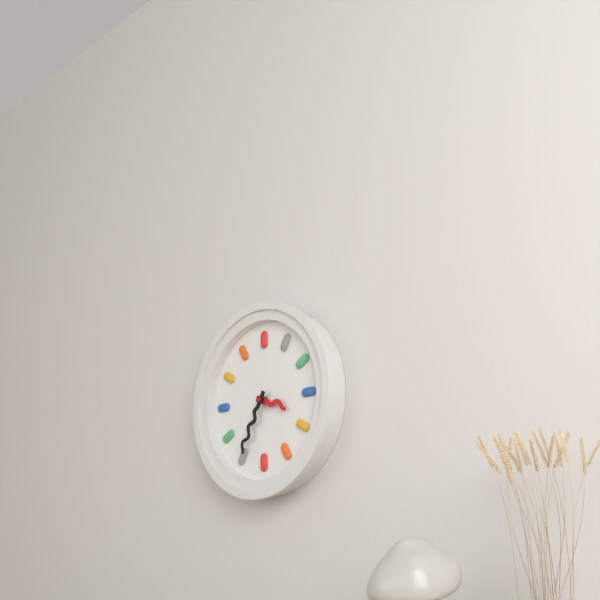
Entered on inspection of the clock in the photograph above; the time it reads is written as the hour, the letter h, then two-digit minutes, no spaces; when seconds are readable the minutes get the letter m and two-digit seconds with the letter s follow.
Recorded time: 3h35
